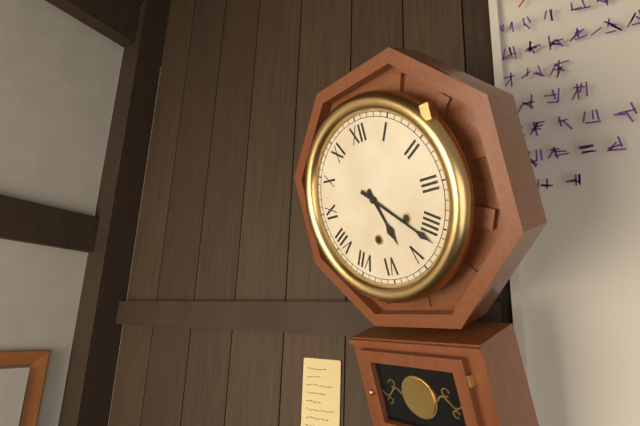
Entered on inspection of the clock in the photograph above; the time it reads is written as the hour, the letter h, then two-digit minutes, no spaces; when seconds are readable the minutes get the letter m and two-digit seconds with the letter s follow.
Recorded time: 5h22
